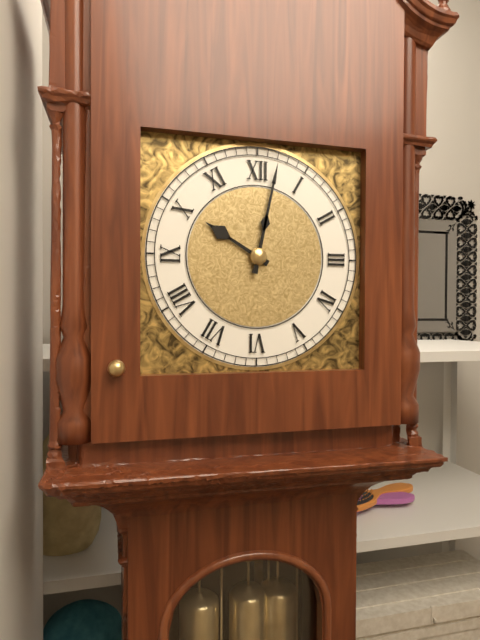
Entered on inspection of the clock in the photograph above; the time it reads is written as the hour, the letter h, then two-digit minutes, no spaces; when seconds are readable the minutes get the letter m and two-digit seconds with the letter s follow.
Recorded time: 10h02
